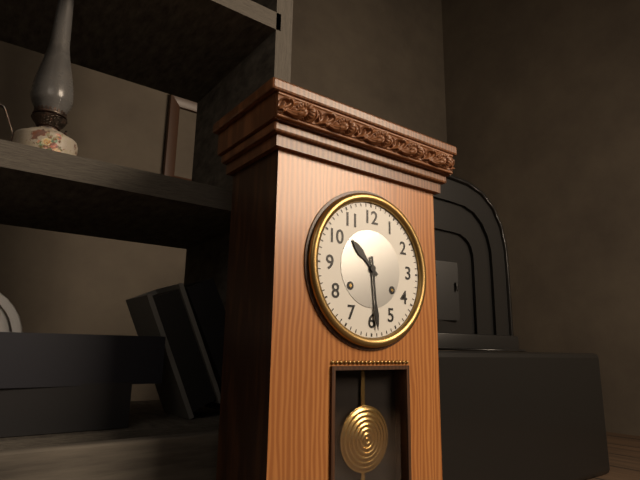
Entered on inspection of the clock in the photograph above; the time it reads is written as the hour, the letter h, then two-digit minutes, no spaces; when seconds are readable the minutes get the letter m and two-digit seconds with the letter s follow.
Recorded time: 10h29
